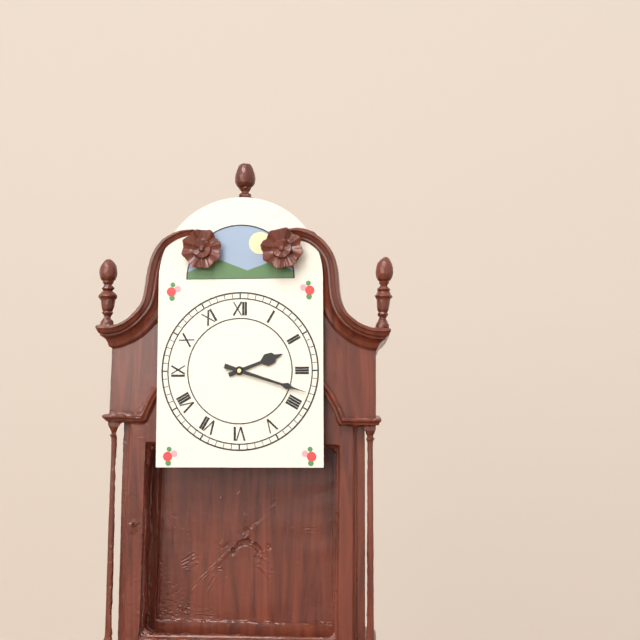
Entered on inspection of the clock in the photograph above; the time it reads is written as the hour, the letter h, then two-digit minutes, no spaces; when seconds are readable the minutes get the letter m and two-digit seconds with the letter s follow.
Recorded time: 2h18
